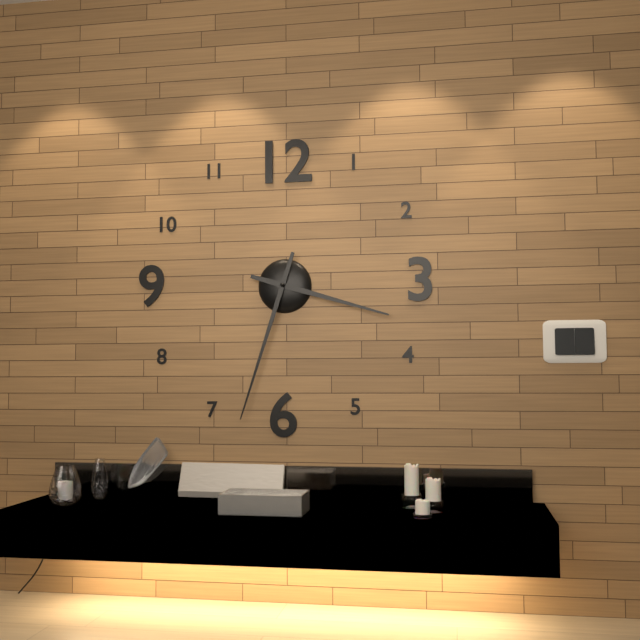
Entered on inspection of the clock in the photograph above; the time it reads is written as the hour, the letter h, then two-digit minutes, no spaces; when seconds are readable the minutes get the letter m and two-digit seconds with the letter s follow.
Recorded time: 3h33
